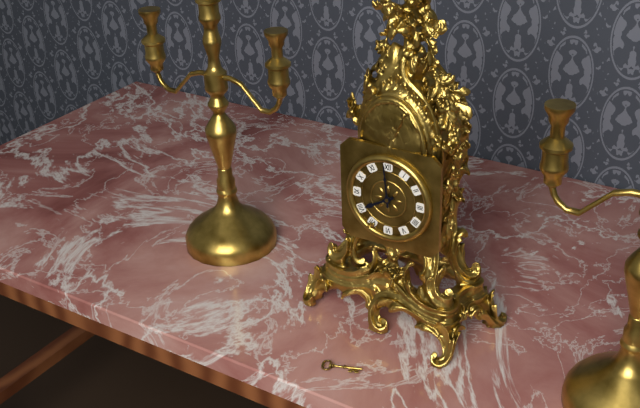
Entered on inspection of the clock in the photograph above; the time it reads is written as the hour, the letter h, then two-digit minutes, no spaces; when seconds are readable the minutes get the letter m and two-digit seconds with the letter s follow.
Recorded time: 7h59
